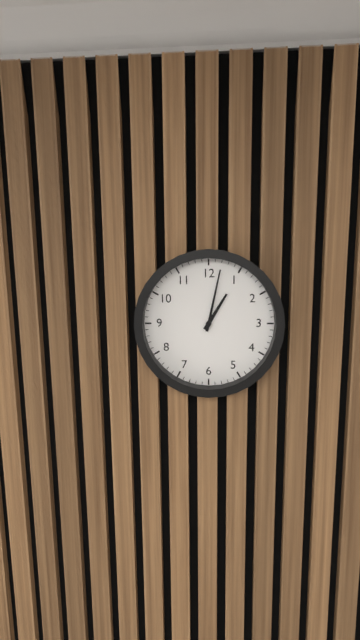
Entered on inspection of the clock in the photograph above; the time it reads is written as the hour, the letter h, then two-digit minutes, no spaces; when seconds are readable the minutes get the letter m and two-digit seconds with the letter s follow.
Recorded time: 1h02
